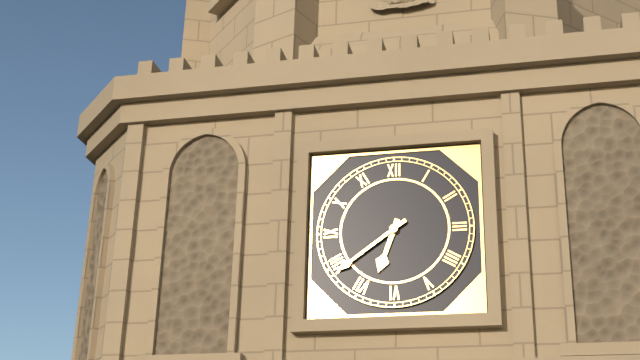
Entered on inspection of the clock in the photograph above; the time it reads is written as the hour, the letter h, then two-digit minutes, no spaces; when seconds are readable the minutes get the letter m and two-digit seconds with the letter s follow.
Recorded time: 6h39
